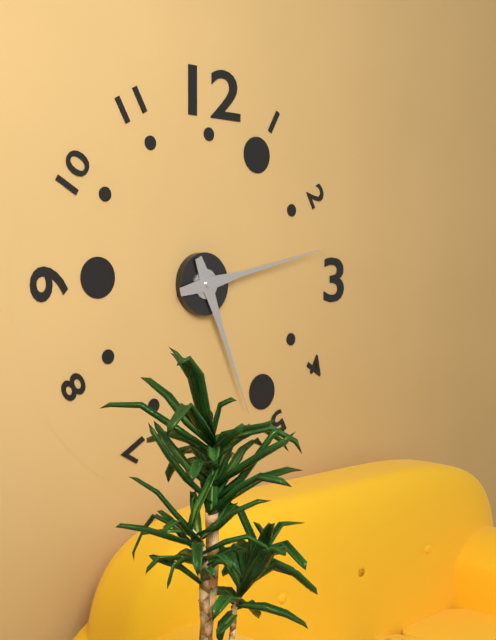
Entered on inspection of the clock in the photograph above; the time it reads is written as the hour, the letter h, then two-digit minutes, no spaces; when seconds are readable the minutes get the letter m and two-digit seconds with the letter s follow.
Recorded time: 5h13
